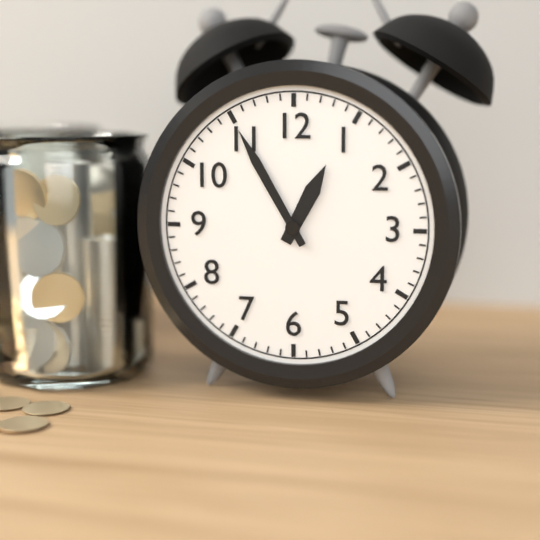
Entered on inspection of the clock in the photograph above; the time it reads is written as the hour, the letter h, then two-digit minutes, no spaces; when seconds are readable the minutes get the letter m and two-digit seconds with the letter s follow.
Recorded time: 12h55
